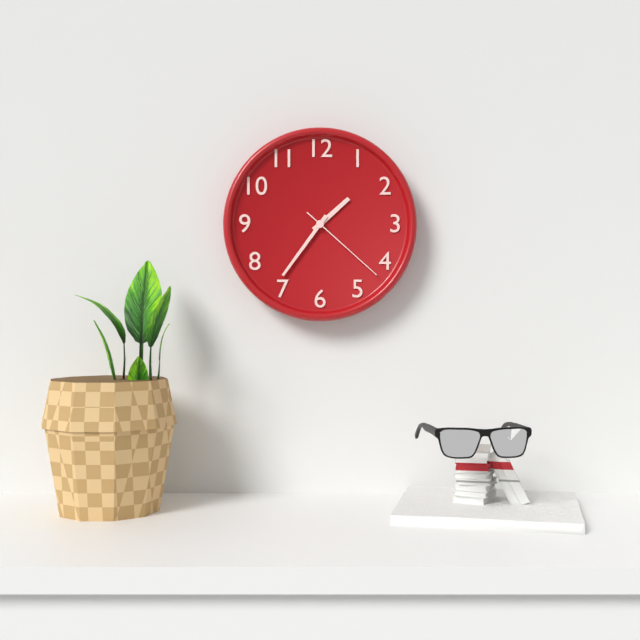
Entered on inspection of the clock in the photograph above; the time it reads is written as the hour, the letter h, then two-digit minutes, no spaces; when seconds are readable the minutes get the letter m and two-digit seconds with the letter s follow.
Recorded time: 1h36m22s
